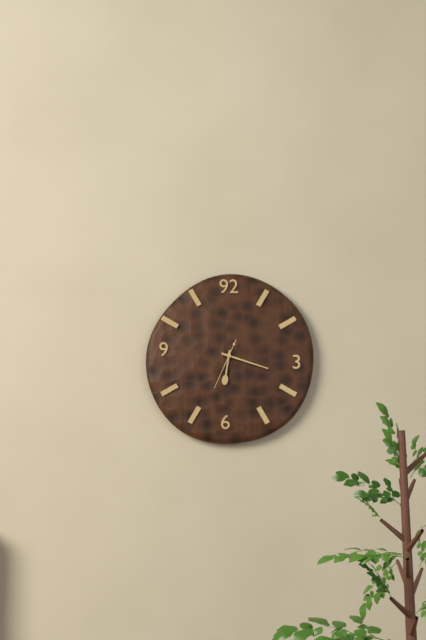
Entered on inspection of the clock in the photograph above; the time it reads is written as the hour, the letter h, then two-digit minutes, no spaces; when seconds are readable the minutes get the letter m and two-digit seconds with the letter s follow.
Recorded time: 6h18
